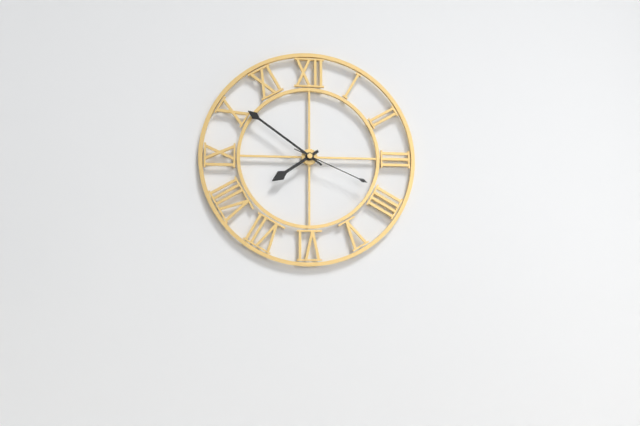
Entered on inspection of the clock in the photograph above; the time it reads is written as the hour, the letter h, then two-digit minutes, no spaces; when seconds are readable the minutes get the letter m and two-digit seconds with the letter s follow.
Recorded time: 7h51m19s
